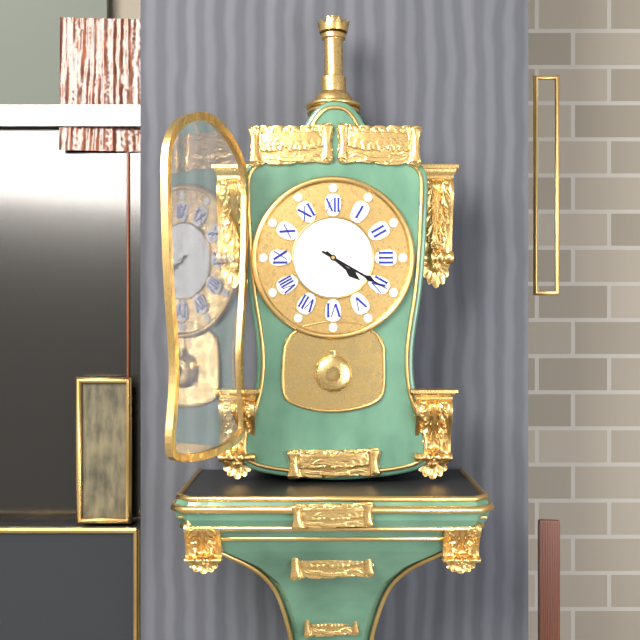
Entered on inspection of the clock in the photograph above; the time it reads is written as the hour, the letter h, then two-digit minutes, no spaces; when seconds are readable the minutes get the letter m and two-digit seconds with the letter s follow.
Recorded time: 4h20
